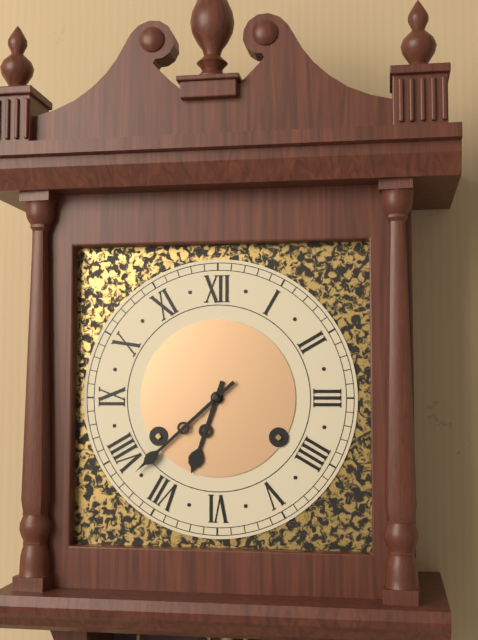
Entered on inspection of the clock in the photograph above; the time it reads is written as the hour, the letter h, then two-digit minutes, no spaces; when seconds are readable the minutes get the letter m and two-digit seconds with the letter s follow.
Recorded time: 6h38
